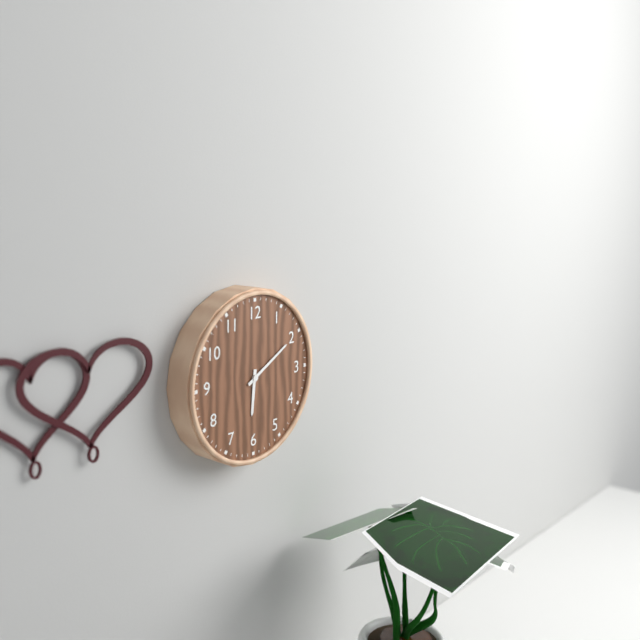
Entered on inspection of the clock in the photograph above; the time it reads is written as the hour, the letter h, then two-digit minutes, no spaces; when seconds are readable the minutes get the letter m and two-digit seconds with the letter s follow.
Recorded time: 6h10
